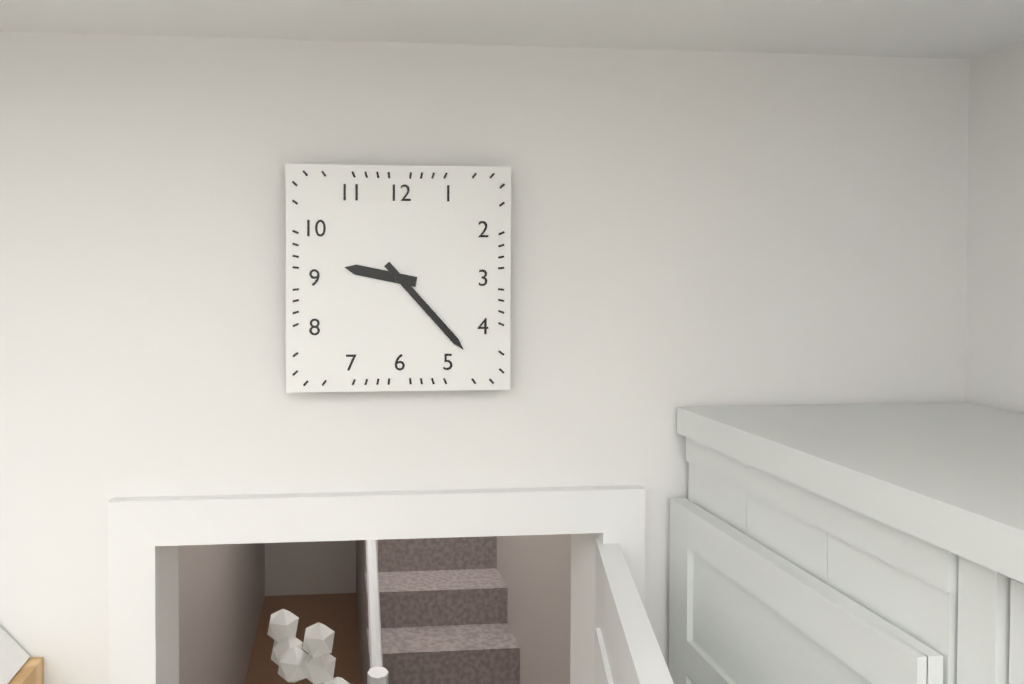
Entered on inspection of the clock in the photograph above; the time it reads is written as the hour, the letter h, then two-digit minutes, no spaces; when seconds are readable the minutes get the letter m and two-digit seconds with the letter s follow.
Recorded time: 9h23
